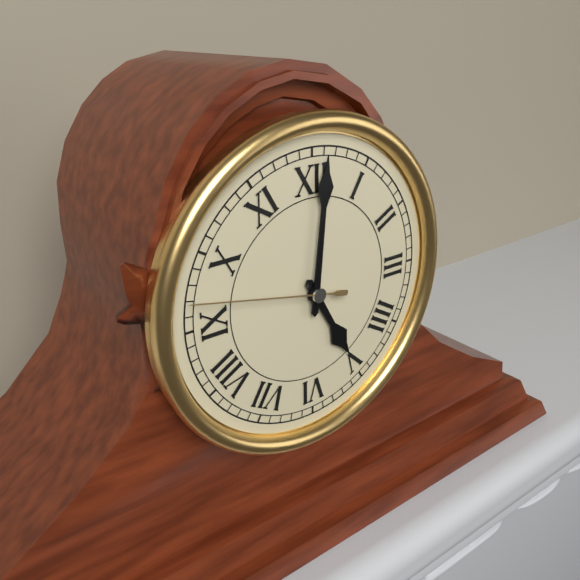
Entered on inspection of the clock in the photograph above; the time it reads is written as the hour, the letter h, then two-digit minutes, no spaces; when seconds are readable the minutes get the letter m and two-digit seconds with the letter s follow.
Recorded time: 5h01m47s
